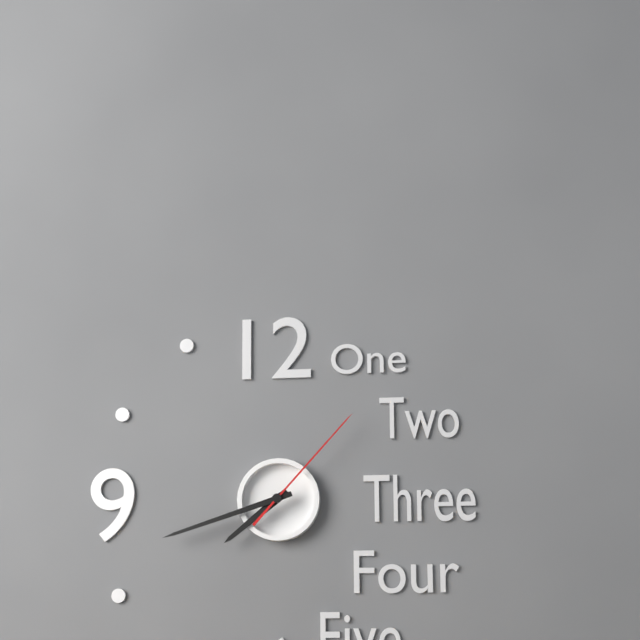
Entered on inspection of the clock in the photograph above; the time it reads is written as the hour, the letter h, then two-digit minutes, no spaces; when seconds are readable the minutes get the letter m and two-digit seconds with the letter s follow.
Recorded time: 7h42m07s
